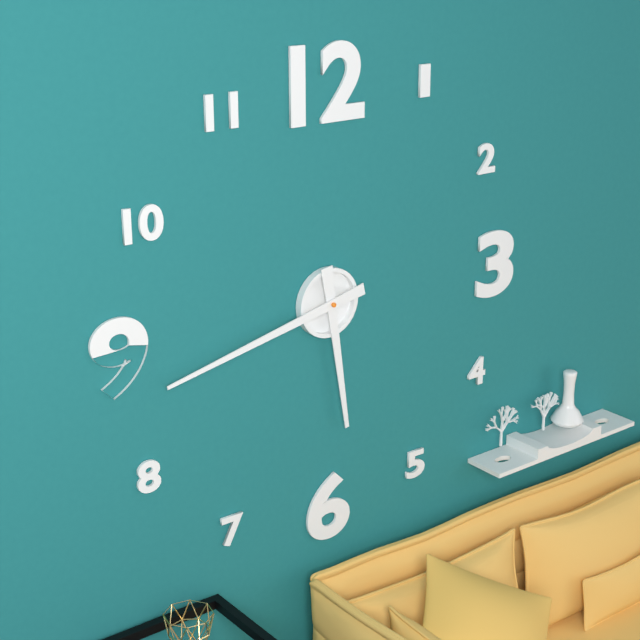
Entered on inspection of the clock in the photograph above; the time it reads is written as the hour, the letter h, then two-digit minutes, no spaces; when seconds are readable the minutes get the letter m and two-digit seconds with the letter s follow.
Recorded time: 5h43
